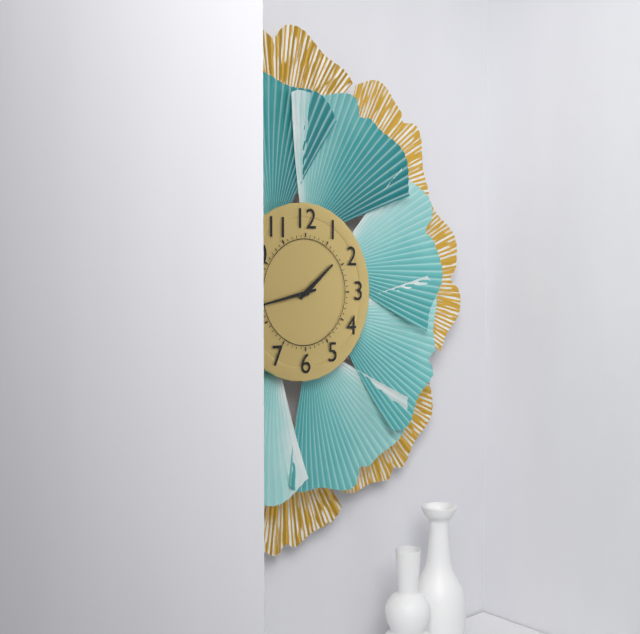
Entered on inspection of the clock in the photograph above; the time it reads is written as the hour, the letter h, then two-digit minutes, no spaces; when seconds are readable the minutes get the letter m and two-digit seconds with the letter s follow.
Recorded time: 1h43
